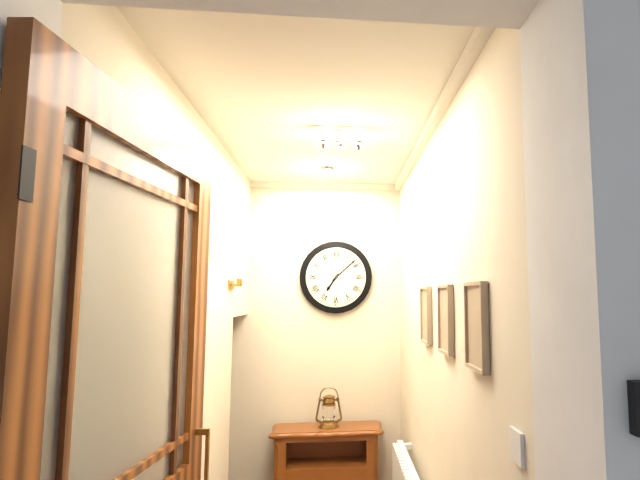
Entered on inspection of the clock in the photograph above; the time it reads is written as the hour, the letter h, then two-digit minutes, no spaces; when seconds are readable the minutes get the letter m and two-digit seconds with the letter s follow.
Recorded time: 7h08
